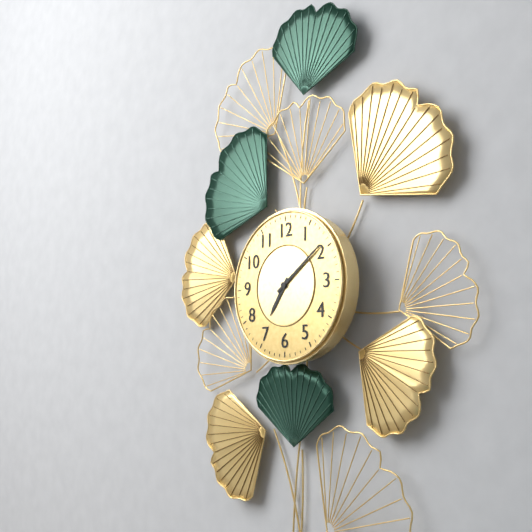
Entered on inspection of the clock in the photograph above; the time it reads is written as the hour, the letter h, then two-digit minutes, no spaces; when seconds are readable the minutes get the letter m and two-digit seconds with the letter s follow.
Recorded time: 7h09
